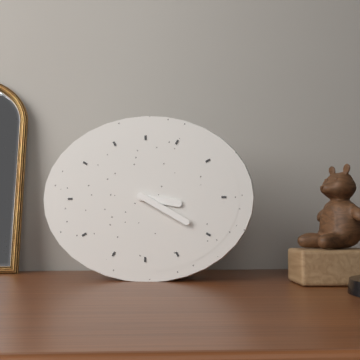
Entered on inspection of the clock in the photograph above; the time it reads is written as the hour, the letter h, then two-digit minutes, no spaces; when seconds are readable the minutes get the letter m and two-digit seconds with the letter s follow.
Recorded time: 3h20
